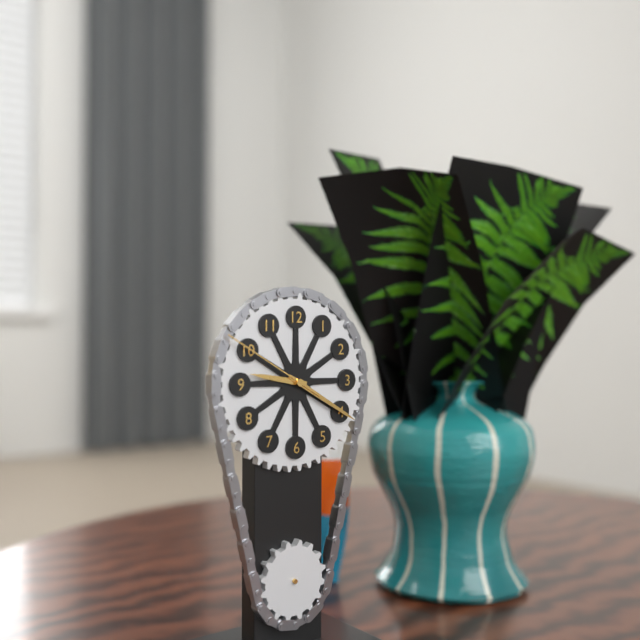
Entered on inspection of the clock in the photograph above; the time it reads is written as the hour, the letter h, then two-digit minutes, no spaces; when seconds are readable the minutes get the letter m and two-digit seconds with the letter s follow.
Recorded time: 9h20m50s
